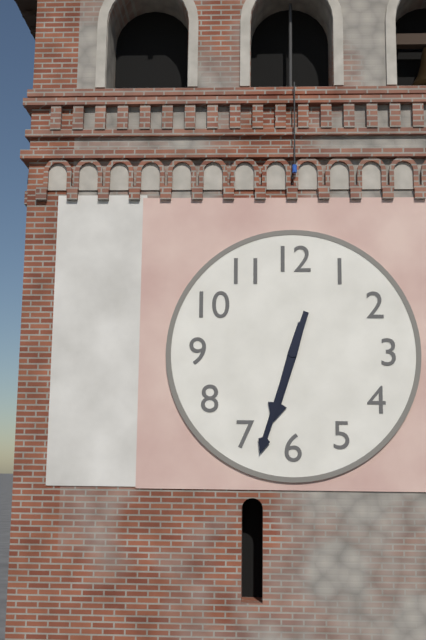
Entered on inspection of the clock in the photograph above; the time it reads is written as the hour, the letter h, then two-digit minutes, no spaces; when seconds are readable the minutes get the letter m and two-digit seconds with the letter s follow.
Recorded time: 6h33
